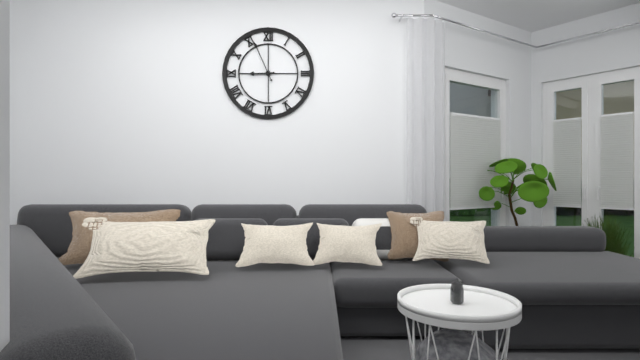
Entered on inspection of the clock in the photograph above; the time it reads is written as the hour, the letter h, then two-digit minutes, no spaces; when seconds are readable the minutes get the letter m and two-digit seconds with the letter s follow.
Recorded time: 8h56
